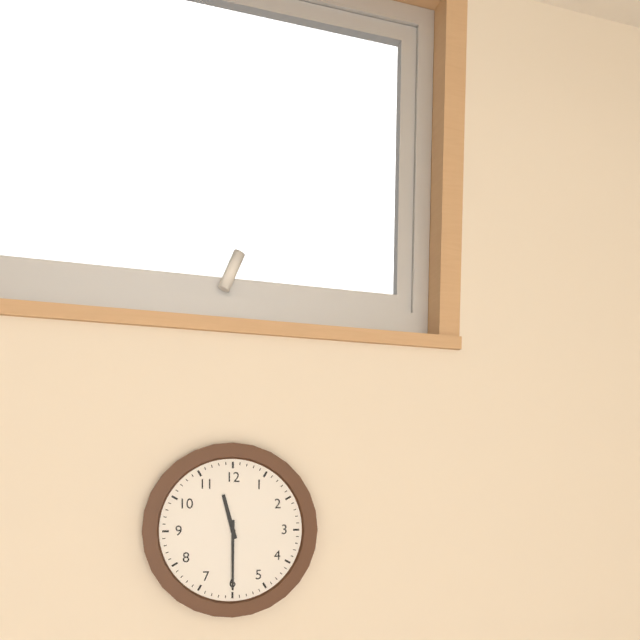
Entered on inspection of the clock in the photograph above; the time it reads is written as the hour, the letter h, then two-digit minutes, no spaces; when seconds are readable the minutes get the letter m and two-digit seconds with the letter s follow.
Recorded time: 11h30
